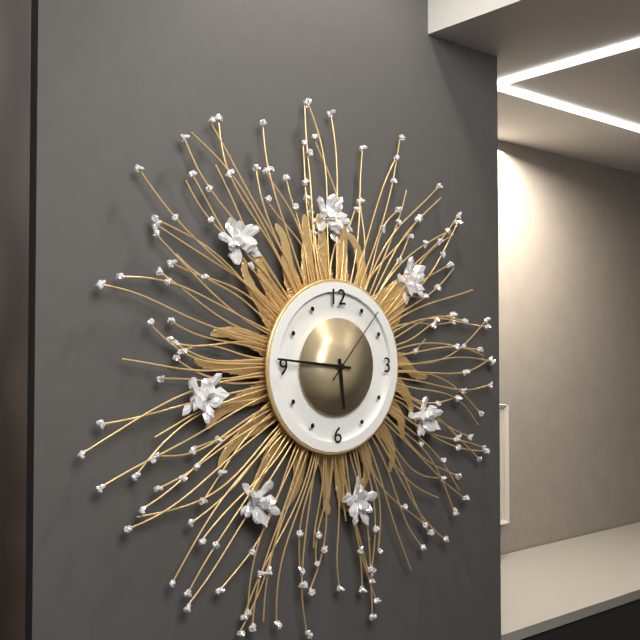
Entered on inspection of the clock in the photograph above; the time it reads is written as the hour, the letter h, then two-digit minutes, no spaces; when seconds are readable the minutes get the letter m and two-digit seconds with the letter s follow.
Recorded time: 5h46m07s
